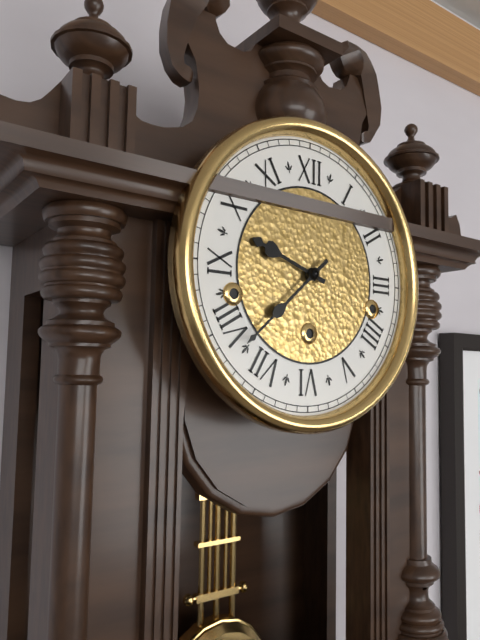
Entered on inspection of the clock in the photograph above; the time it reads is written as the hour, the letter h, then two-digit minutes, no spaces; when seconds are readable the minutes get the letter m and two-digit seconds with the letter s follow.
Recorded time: 9h38
